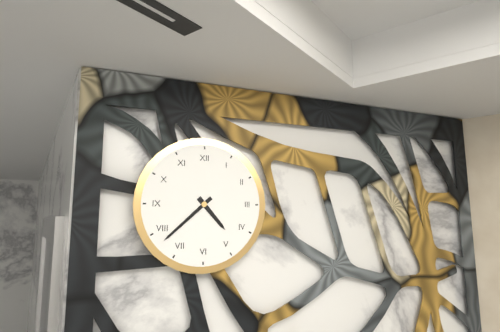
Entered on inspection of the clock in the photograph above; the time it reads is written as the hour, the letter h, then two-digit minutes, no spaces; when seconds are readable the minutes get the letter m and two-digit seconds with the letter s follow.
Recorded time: 4h38
